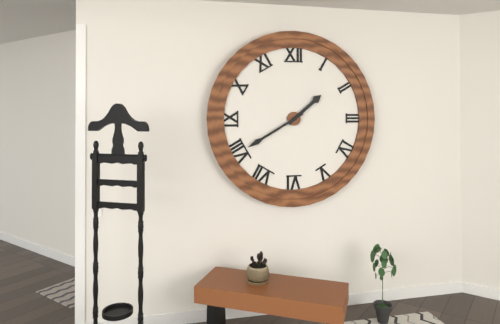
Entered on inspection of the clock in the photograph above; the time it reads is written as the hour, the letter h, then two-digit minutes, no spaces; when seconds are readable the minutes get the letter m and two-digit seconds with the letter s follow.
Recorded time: 1h40
